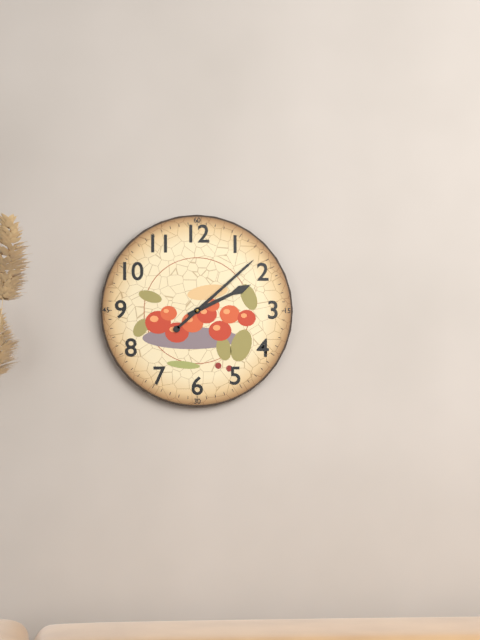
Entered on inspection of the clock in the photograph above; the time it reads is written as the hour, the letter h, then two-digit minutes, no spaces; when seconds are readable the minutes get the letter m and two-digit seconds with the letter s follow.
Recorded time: 2h08
